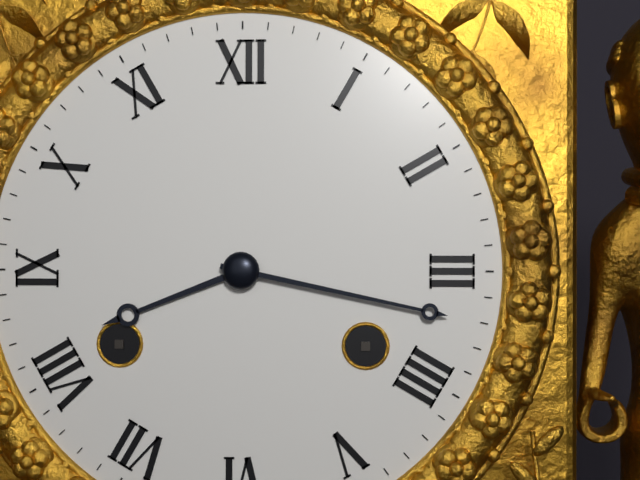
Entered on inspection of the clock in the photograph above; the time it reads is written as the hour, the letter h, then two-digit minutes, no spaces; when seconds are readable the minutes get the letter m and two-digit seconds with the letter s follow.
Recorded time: 8h17
